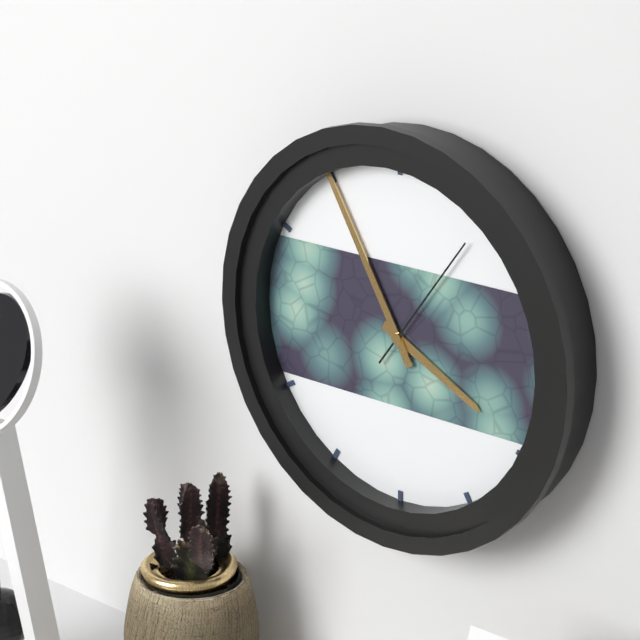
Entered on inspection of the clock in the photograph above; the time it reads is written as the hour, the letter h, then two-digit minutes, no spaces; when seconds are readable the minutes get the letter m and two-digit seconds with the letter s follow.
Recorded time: 3h55m06s
